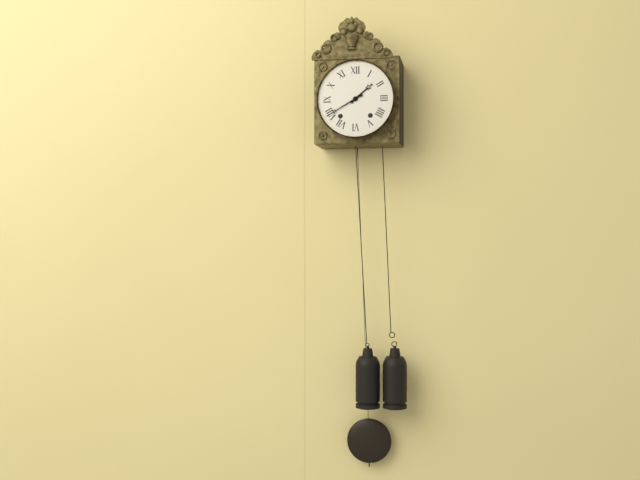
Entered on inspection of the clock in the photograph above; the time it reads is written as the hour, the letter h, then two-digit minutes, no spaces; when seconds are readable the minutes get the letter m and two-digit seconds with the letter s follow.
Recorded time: 1h40
